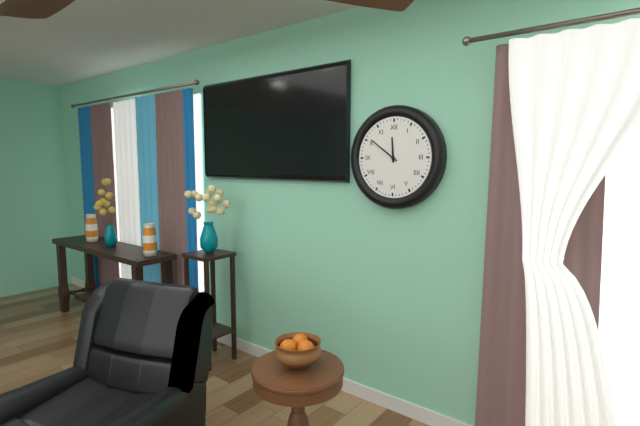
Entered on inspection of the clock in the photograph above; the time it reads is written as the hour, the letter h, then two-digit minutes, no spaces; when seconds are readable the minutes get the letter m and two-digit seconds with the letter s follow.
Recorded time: 11h51
